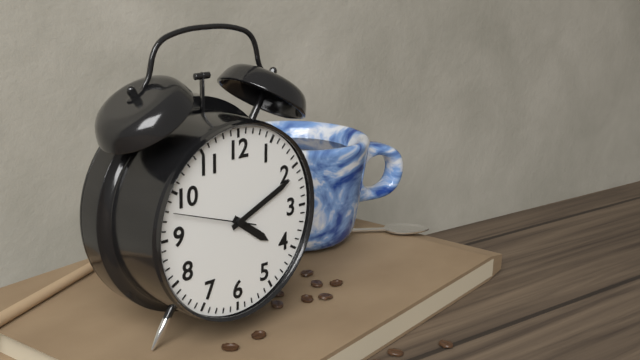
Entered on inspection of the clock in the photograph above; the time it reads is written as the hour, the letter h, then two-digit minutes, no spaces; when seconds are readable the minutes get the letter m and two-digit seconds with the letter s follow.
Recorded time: 4h11m48s
